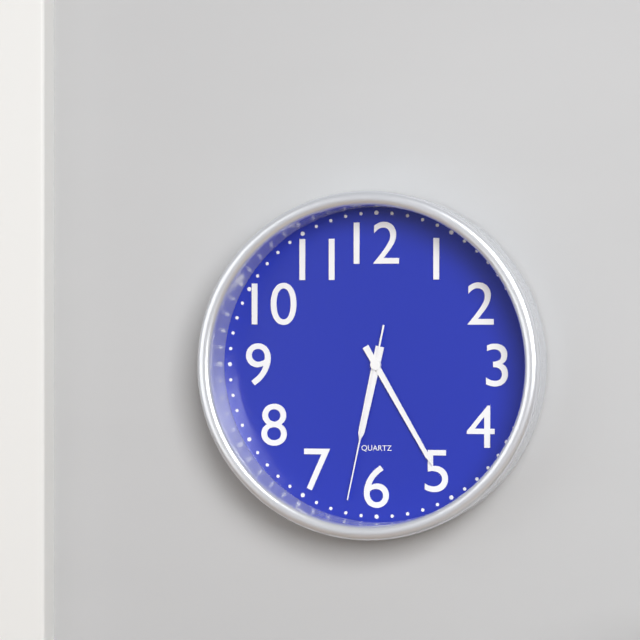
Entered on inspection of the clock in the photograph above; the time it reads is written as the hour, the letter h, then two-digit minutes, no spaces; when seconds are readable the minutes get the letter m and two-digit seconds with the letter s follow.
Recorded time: 6h25m32s
